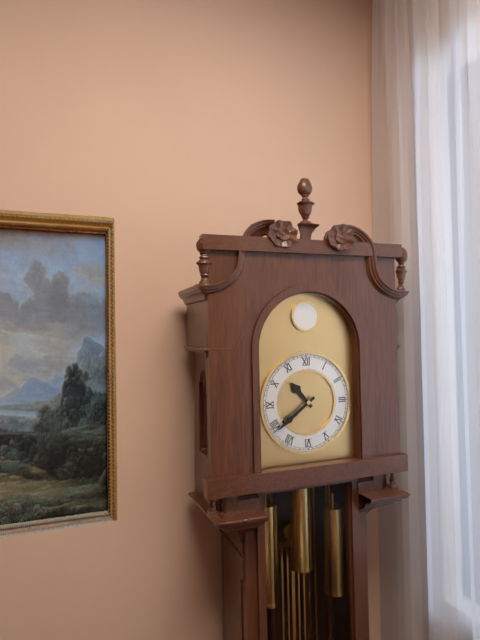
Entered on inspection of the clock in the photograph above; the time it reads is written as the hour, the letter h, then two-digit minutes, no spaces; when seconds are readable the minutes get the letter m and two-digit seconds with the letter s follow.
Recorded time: 10h39
